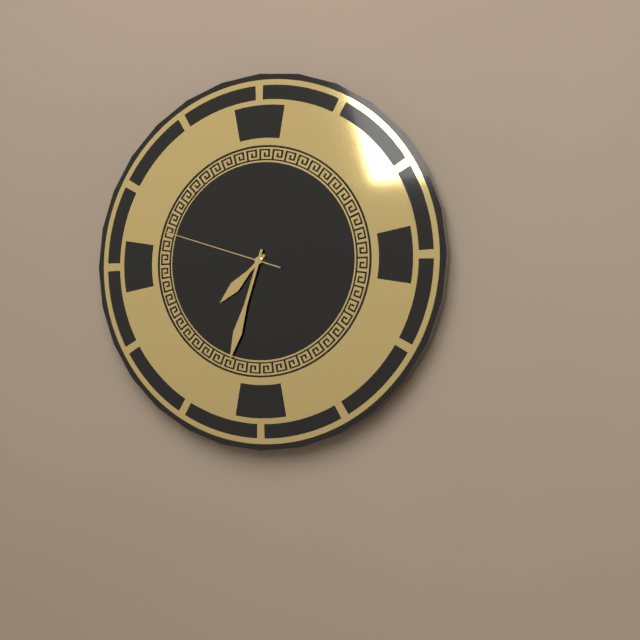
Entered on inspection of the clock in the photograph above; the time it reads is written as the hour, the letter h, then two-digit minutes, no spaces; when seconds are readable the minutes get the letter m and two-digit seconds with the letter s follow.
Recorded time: 7h33m48s
